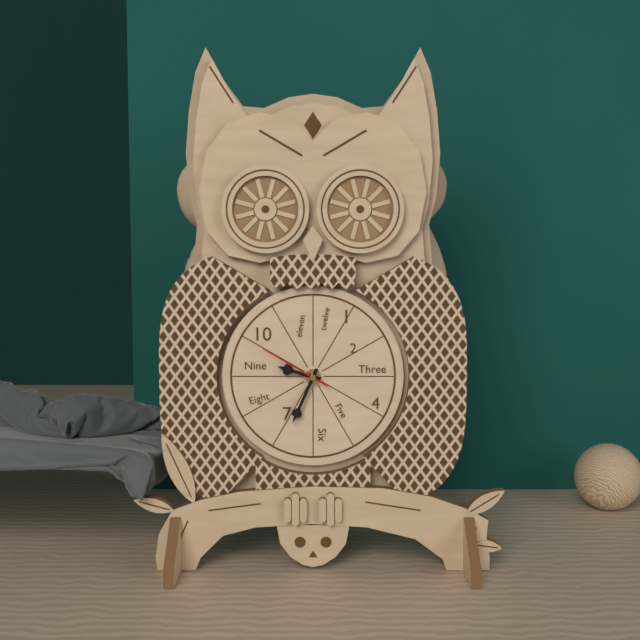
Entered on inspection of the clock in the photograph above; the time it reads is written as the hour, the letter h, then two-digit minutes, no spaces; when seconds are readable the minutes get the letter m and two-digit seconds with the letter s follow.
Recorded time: 9h34m50s
